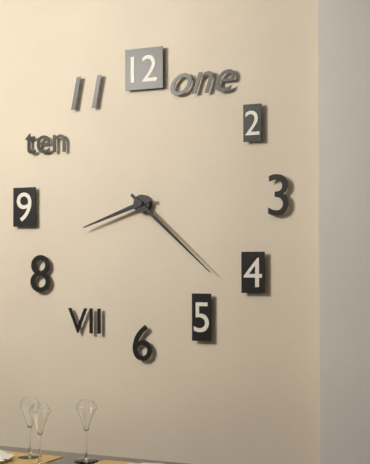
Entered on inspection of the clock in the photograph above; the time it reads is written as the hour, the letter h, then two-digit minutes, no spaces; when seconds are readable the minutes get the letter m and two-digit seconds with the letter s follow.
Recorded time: 8h22
